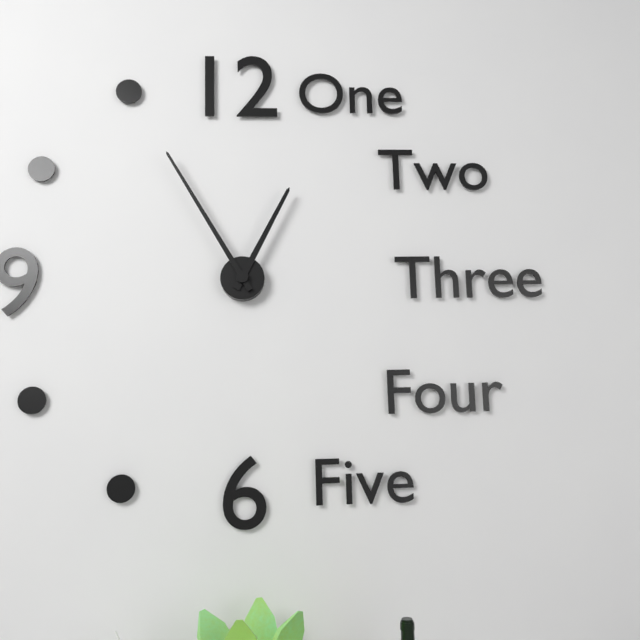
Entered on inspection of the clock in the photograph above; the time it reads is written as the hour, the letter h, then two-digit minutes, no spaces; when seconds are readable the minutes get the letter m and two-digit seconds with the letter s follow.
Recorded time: 12h55
